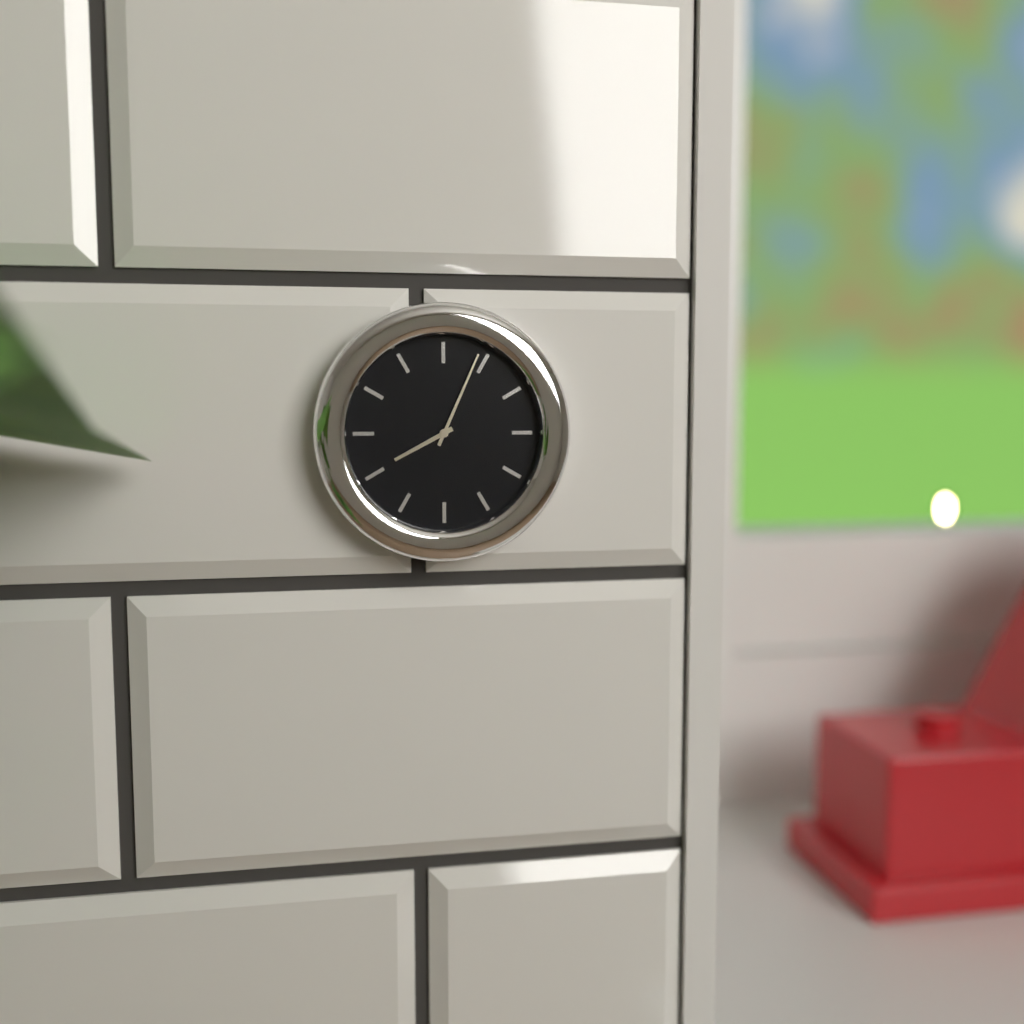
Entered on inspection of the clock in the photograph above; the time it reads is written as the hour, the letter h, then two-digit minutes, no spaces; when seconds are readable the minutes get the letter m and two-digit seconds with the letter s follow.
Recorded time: 8h04
